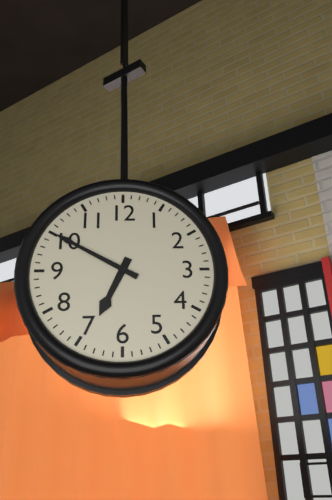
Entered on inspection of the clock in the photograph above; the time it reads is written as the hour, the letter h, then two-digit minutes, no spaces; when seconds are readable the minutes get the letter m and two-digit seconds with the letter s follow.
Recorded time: 6h50
